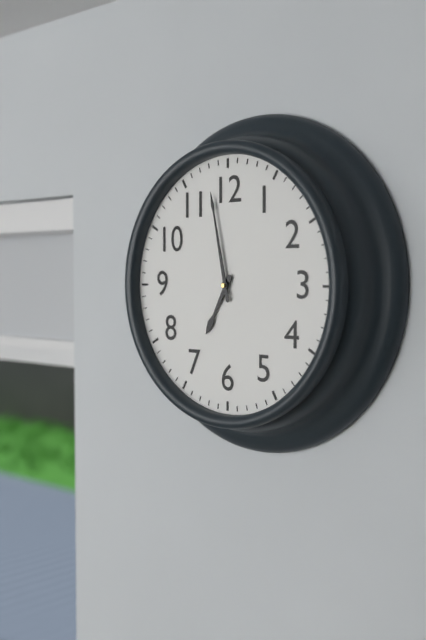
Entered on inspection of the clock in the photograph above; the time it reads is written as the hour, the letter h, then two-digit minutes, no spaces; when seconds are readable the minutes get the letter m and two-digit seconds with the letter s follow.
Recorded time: 6h58
